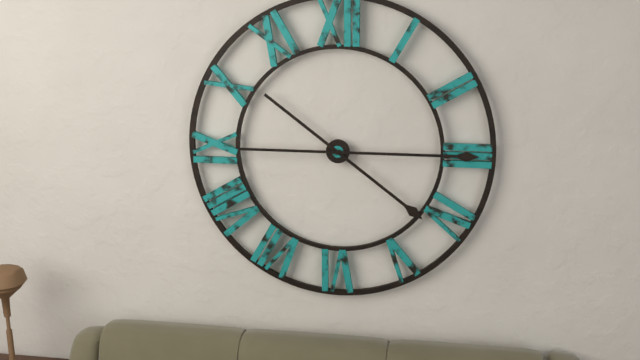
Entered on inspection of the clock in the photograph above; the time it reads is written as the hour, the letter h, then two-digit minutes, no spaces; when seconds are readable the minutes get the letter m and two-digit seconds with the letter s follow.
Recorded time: 4h15
